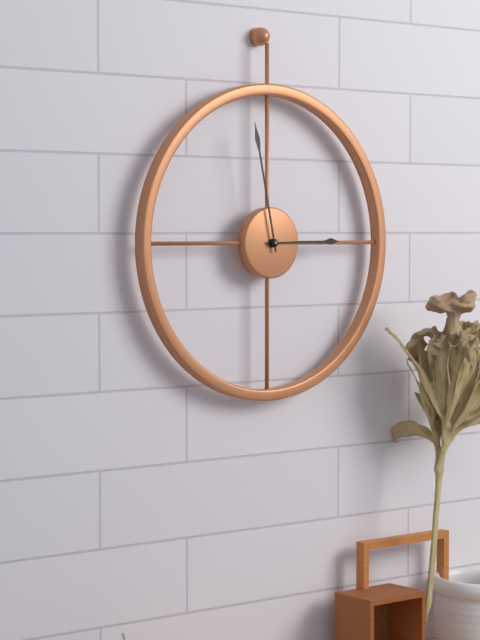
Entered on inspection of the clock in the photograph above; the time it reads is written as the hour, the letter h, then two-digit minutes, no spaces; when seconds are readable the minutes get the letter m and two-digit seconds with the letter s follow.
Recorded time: 2h58
